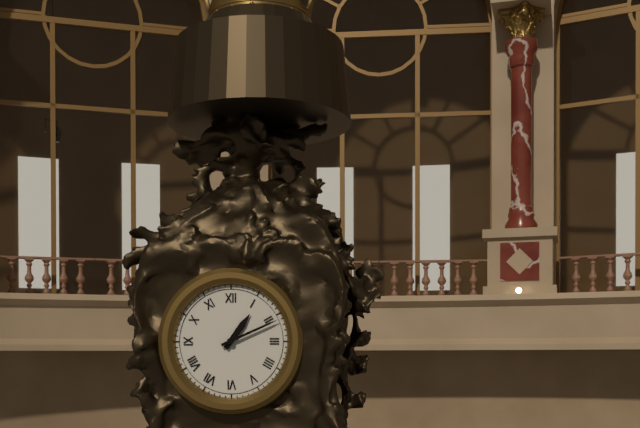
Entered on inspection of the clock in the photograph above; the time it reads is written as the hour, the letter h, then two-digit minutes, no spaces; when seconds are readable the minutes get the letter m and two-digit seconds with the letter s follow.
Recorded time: 1h11
